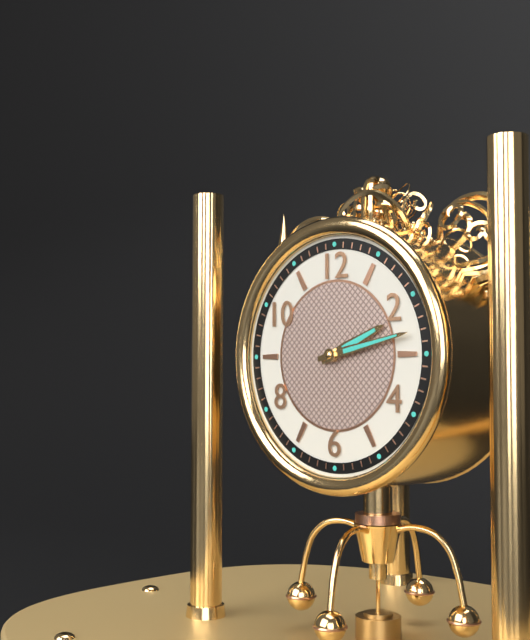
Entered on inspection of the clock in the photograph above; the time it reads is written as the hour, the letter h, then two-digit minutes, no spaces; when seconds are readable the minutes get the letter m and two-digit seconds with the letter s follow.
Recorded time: 2h13
